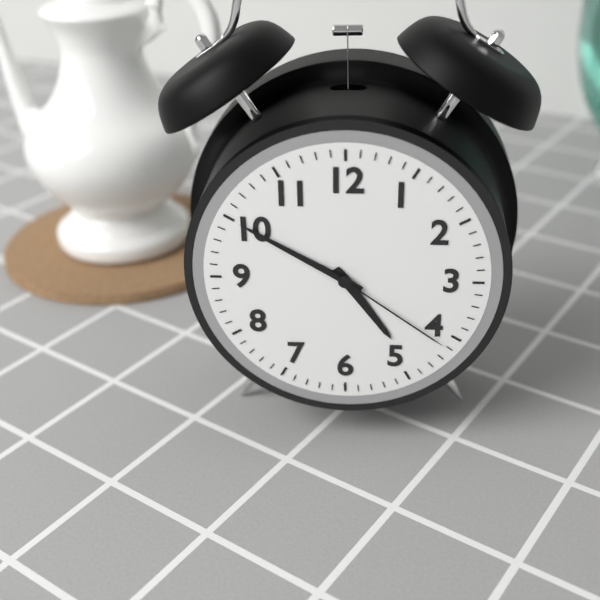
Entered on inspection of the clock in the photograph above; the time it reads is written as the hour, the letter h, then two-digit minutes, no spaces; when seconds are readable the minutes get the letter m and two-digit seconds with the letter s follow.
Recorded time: 4h50m21s
